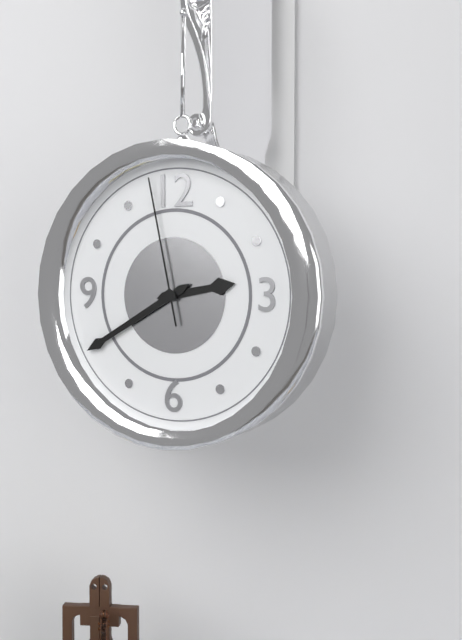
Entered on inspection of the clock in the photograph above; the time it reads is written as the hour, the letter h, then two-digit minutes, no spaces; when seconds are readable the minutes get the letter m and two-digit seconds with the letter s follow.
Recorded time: 2h40m58s
